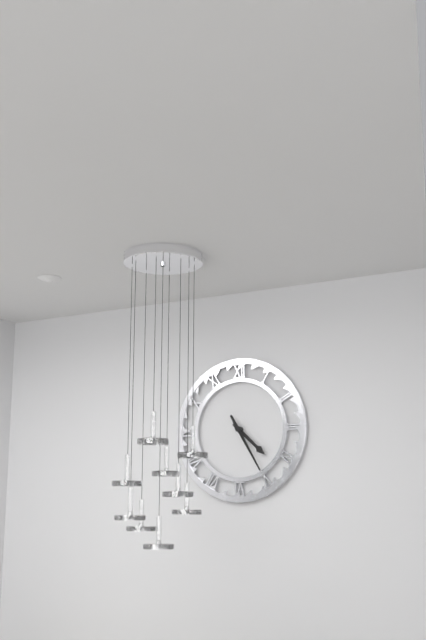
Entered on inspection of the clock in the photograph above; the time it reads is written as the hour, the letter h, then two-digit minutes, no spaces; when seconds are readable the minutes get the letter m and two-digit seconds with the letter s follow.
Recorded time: 4h25
